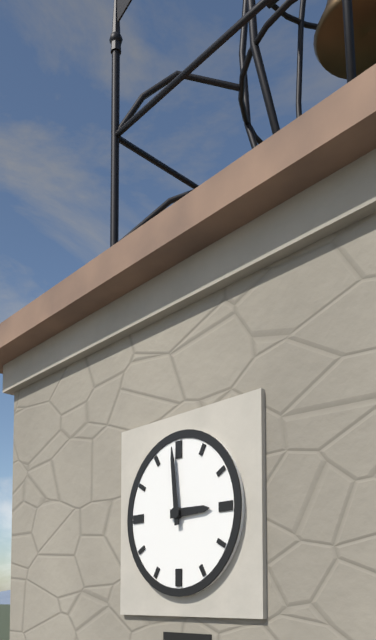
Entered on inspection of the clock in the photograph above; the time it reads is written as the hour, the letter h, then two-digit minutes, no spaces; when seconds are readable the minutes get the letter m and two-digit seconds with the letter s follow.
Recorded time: 2h59
